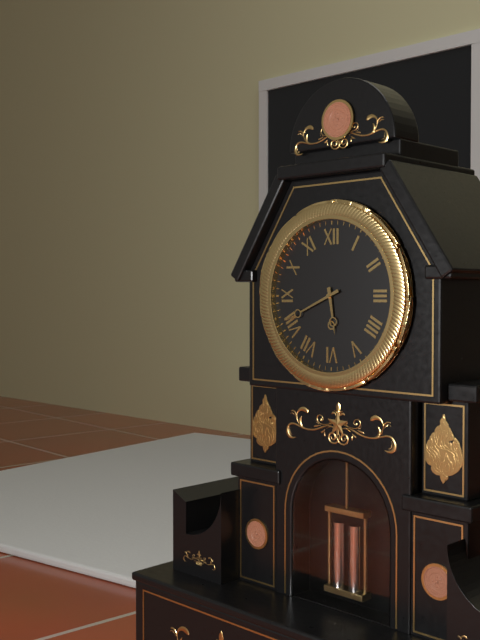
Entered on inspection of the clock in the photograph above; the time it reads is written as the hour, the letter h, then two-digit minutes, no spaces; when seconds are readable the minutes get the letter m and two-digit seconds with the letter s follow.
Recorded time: 5h41
